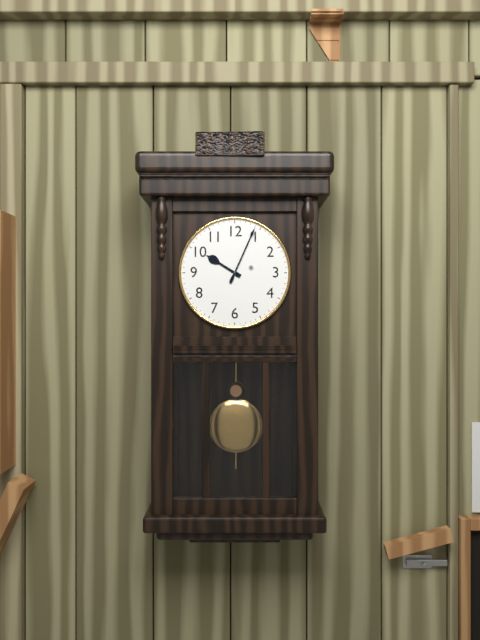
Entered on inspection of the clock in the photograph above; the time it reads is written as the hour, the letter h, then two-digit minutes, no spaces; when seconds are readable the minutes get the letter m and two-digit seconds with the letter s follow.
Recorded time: 10h04
